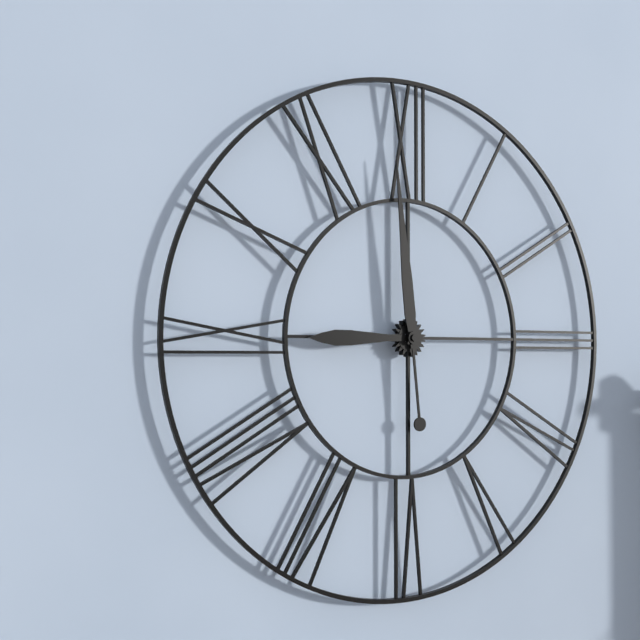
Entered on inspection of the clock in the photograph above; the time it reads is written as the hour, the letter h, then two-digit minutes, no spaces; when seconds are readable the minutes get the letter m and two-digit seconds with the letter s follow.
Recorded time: 8h59
